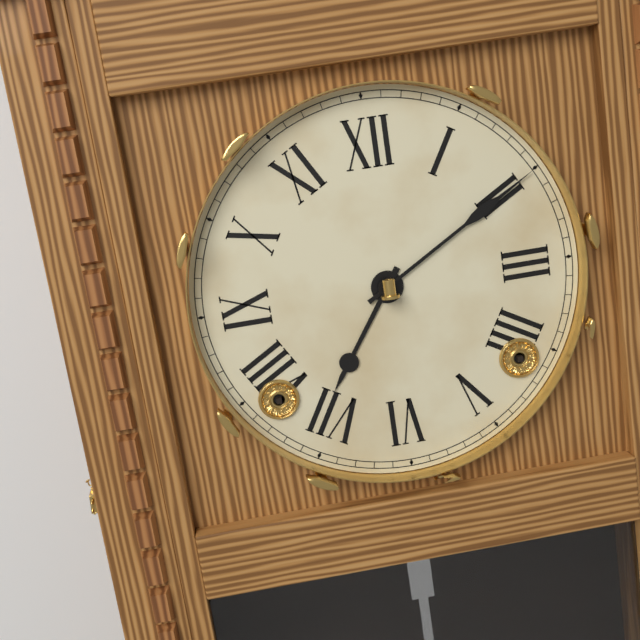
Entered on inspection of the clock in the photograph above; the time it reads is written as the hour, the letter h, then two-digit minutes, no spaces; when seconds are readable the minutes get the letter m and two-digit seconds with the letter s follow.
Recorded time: 7h10
